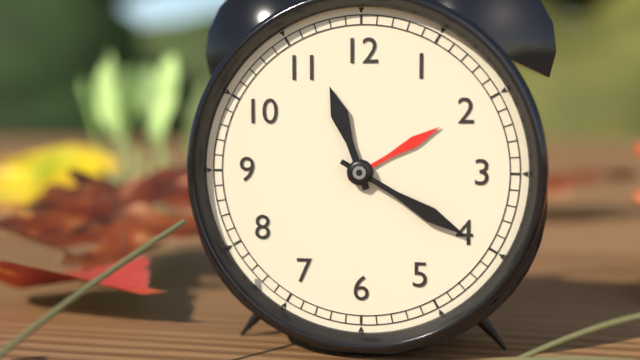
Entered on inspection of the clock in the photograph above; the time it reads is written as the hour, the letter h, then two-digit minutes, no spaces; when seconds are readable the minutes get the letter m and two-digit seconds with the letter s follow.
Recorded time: 11h20
